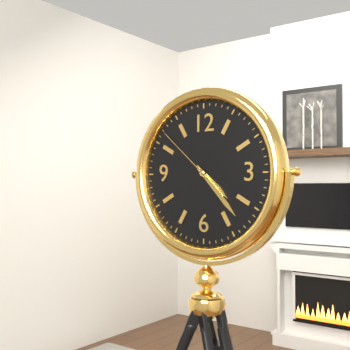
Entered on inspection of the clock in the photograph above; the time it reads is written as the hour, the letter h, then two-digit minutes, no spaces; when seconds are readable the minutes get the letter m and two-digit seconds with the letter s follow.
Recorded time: 4h23m52s
